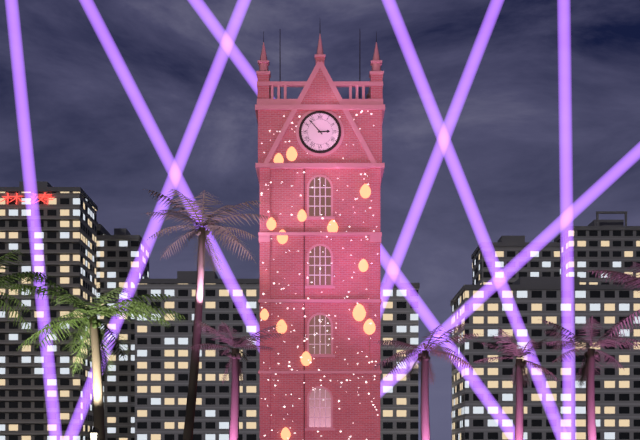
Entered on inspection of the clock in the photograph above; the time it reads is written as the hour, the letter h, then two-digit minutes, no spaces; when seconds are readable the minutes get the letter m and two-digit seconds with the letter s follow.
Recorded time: 2h53
